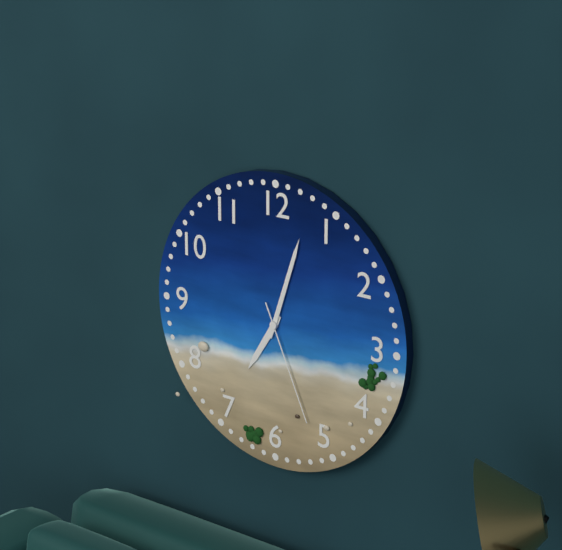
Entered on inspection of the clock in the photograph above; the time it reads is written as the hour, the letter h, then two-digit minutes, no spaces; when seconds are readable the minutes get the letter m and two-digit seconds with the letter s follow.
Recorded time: 7h03m26s
